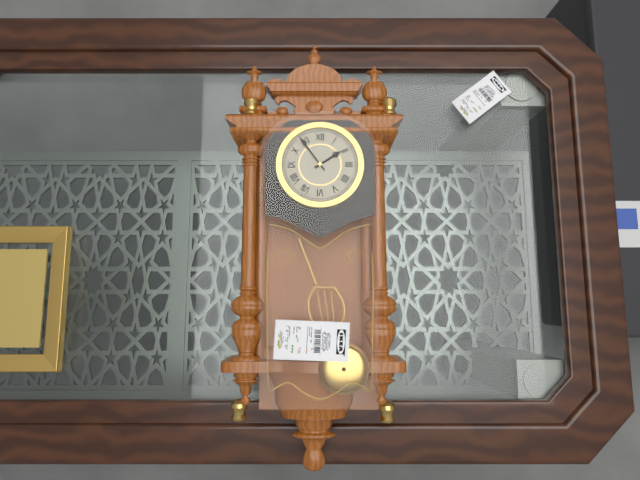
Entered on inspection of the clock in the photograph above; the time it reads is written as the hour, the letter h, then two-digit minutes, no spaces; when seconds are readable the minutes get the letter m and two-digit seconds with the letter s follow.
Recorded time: 1h54
